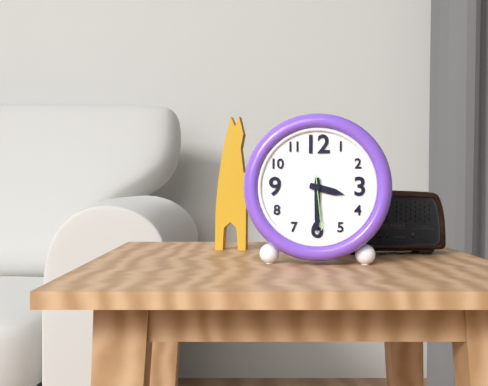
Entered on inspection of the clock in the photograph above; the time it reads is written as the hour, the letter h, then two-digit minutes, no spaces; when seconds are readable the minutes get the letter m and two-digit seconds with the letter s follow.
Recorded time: 3h30m29s
